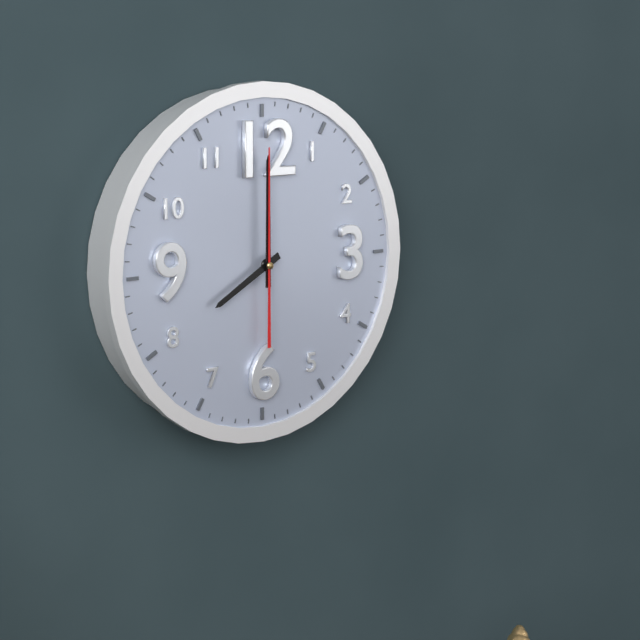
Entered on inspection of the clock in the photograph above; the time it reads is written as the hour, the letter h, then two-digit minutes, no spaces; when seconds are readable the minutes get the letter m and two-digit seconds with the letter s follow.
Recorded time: 8h00m00s
